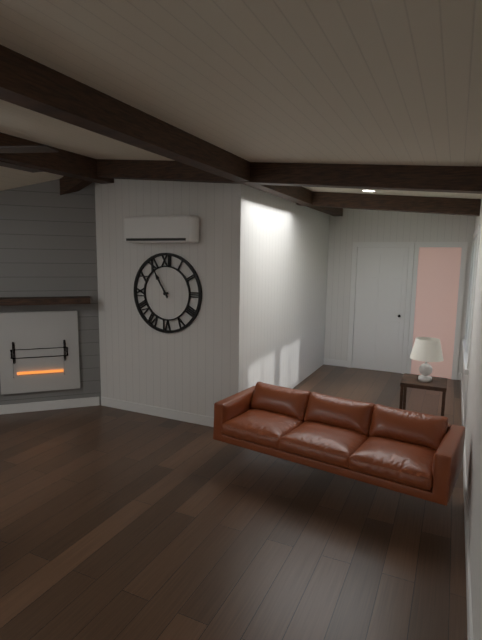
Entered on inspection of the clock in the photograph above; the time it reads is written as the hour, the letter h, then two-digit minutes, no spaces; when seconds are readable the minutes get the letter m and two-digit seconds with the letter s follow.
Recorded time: 10h55
